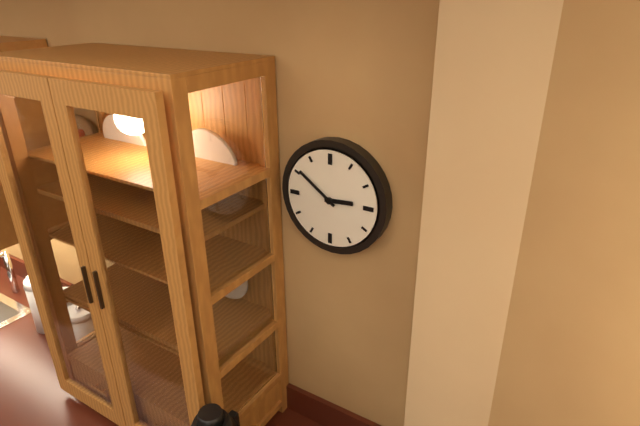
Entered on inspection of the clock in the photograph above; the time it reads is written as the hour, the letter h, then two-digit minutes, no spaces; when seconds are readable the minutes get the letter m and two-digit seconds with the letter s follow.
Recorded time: 2h51
